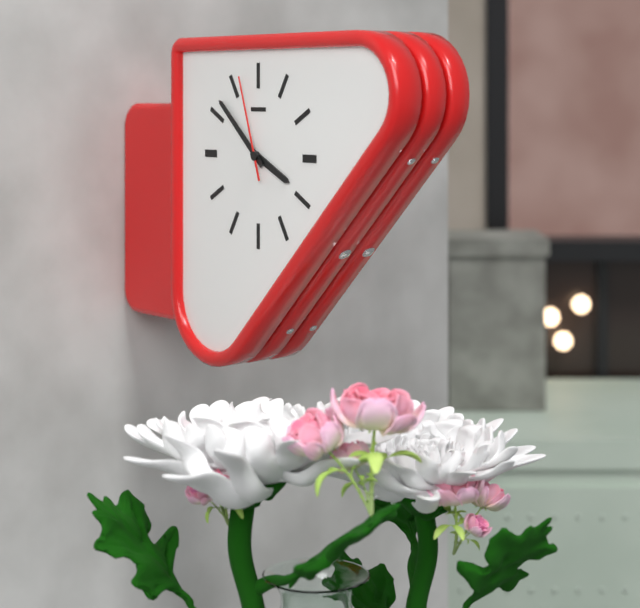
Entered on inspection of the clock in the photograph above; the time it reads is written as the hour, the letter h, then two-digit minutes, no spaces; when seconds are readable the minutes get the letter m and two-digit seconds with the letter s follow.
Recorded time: 3h52m57s
